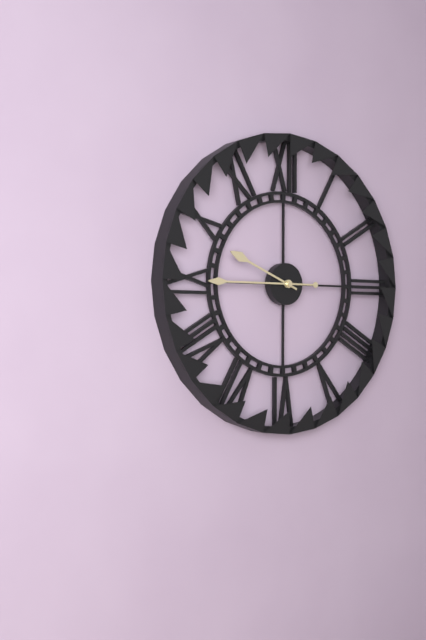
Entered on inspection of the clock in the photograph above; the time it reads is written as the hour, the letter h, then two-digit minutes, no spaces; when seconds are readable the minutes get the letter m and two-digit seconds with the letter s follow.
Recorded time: 9h45
